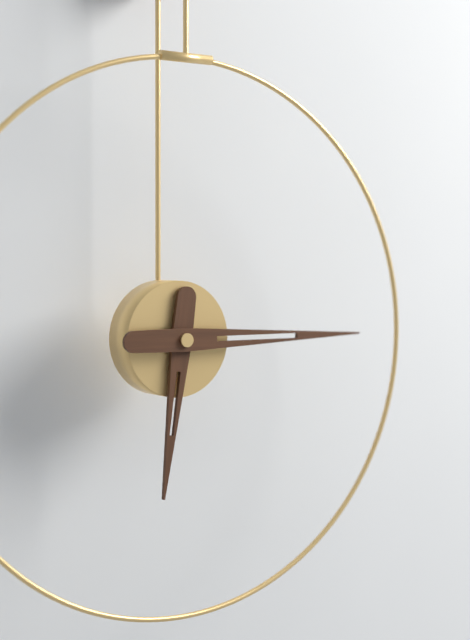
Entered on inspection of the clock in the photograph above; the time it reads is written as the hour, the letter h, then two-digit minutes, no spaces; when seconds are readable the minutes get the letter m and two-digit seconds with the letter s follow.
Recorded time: 6h15
